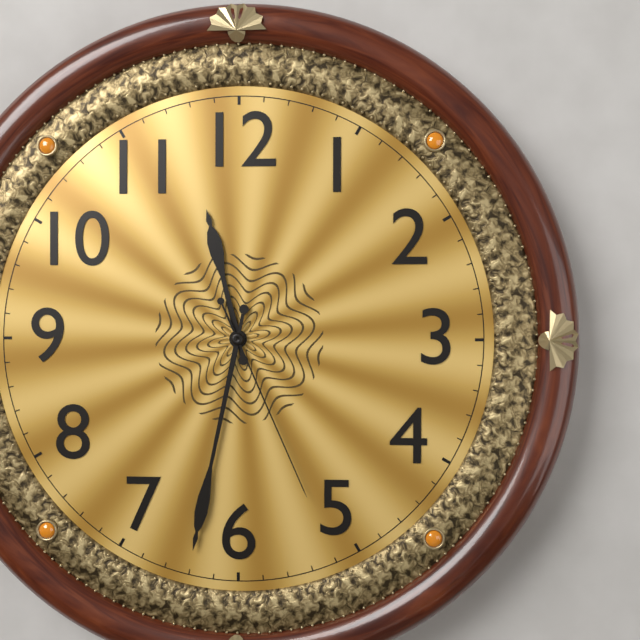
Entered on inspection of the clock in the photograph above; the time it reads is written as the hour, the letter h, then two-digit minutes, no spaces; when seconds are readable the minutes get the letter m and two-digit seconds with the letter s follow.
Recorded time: 11h32m26s
